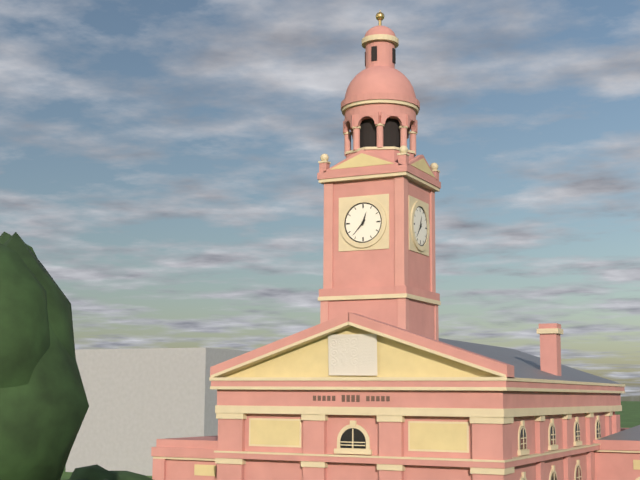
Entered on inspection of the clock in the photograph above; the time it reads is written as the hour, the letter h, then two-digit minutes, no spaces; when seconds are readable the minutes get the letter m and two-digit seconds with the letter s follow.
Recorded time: 12h37
